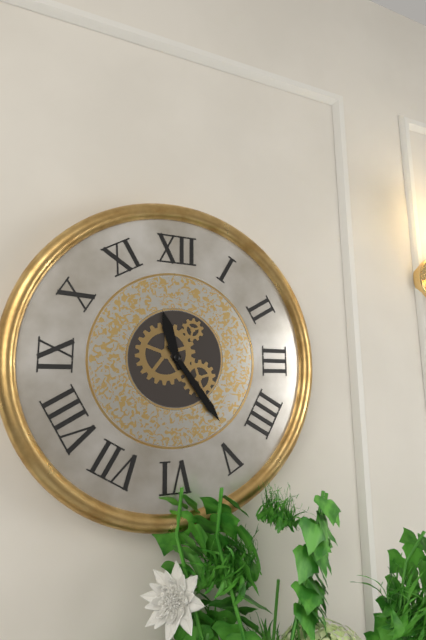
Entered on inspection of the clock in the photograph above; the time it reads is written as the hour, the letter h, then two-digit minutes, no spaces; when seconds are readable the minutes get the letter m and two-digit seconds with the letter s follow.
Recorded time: 11h24
